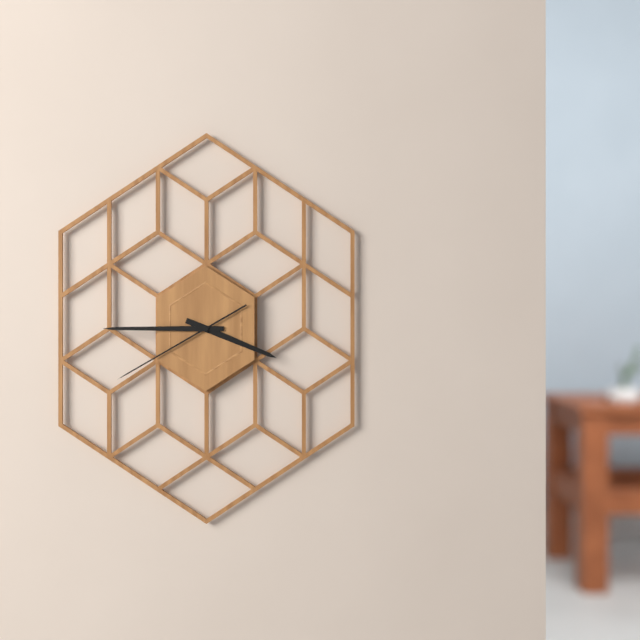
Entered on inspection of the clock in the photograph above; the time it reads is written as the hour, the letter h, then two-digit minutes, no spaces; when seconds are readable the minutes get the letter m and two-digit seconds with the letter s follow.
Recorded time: 3h45m40s
